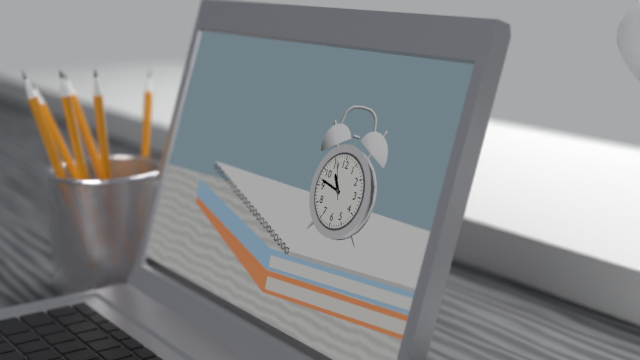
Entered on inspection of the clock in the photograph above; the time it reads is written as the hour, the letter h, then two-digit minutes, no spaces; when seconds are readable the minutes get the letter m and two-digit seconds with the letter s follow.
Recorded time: 10h47
